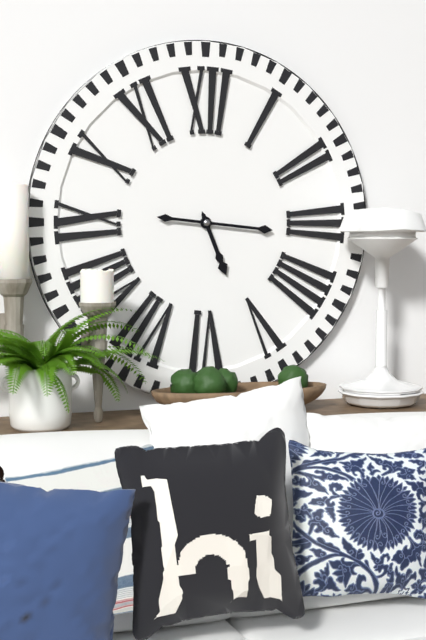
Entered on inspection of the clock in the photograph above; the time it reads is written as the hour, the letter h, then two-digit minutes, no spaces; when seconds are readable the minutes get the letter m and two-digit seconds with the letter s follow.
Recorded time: 5h16
